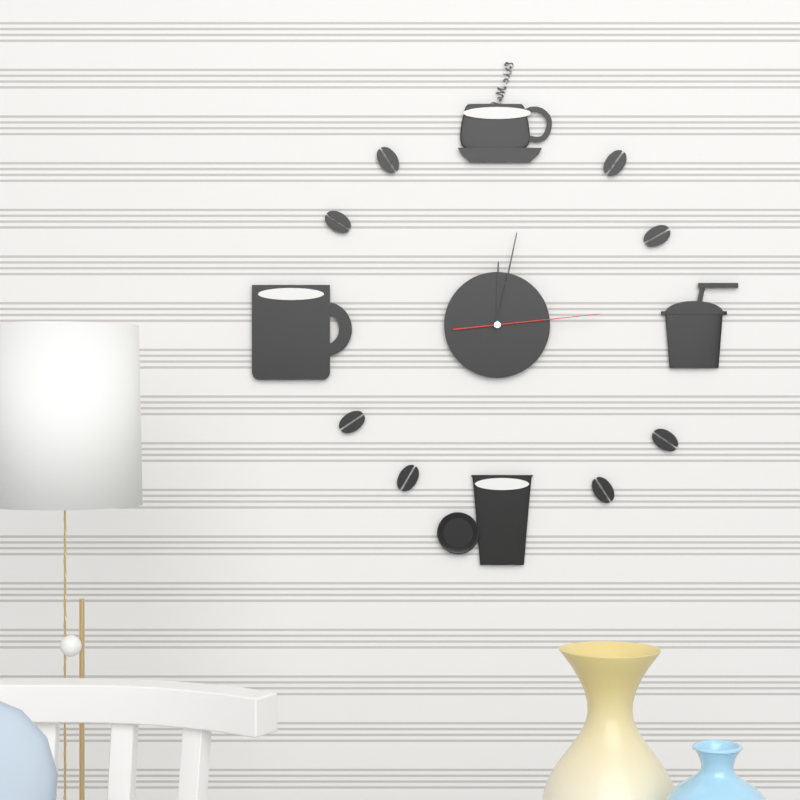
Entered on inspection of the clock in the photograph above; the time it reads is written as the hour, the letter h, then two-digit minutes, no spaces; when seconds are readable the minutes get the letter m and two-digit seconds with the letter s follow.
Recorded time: 12h02m14s
